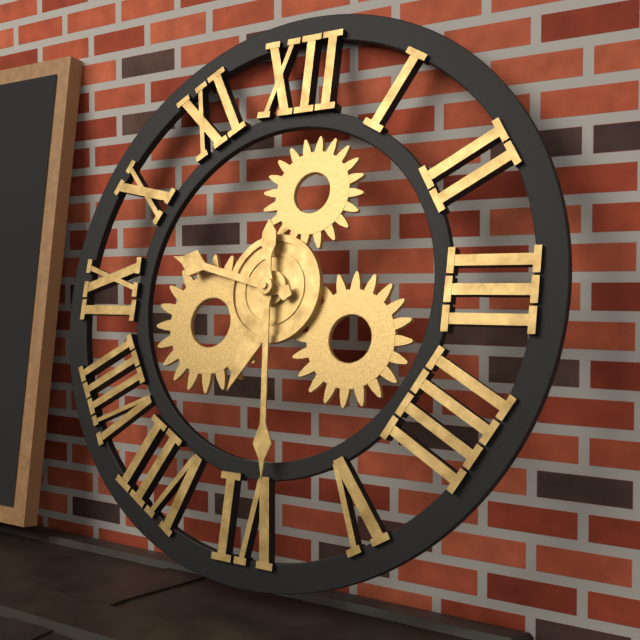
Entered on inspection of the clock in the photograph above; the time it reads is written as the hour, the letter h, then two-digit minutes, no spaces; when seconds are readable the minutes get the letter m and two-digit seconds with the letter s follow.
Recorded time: 9h29
